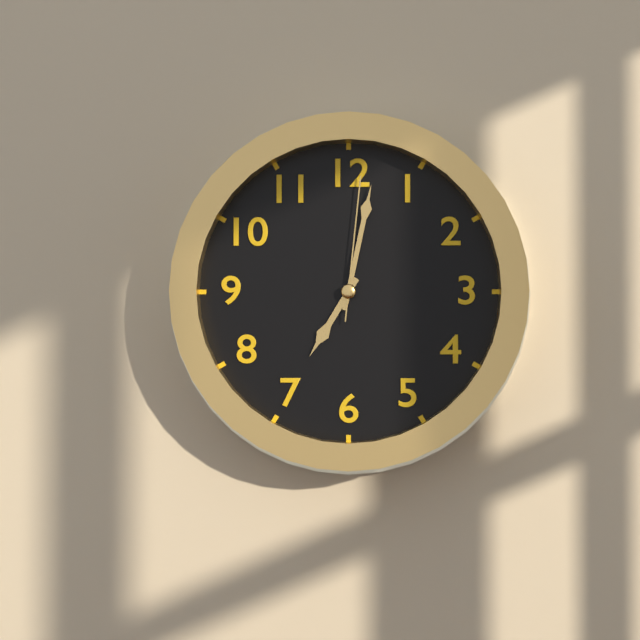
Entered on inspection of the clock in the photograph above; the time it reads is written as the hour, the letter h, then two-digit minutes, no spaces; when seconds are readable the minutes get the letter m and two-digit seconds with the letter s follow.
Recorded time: 7h02m01s
